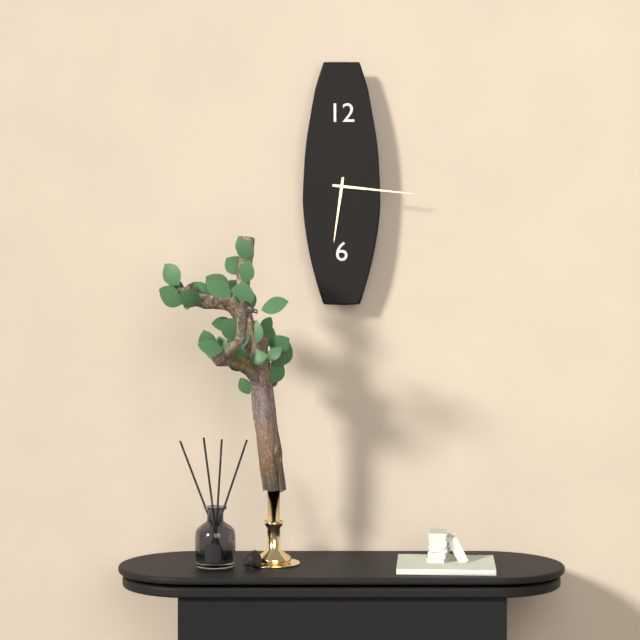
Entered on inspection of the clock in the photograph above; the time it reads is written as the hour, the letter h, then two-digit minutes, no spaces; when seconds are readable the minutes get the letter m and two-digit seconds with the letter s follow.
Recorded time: 6h16
